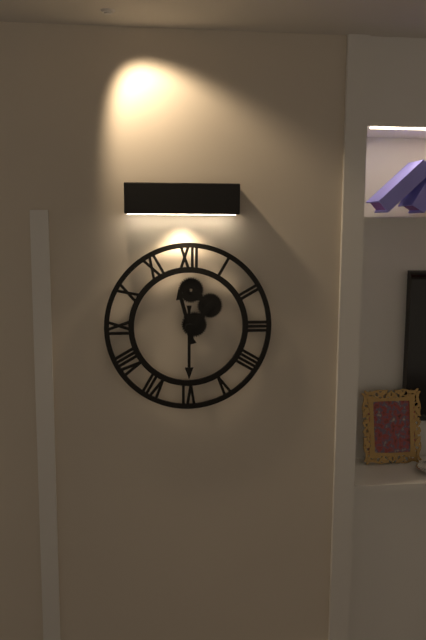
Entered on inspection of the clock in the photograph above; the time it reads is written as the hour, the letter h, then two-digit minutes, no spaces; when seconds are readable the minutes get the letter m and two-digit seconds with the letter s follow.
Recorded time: 11h30
